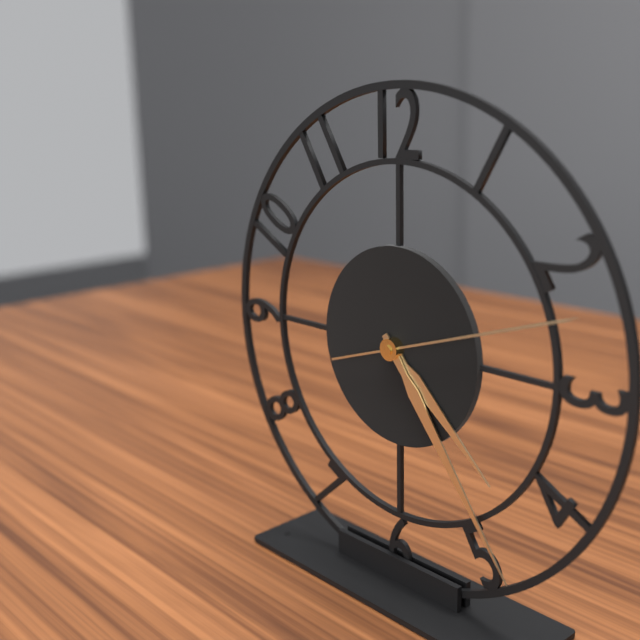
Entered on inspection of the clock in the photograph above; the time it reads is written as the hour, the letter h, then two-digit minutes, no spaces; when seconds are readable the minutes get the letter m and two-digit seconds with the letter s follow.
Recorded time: 4h24m12s
